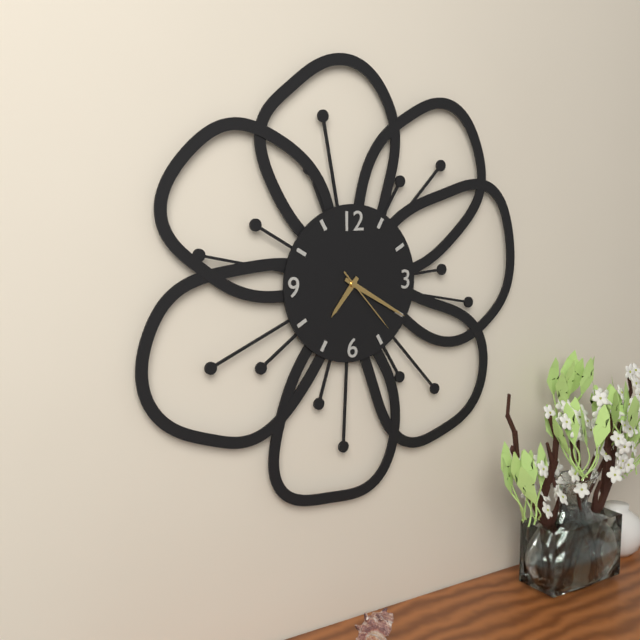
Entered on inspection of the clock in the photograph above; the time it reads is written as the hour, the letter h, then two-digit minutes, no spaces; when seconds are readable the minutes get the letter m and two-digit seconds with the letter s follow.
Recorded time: 7h20m23s
